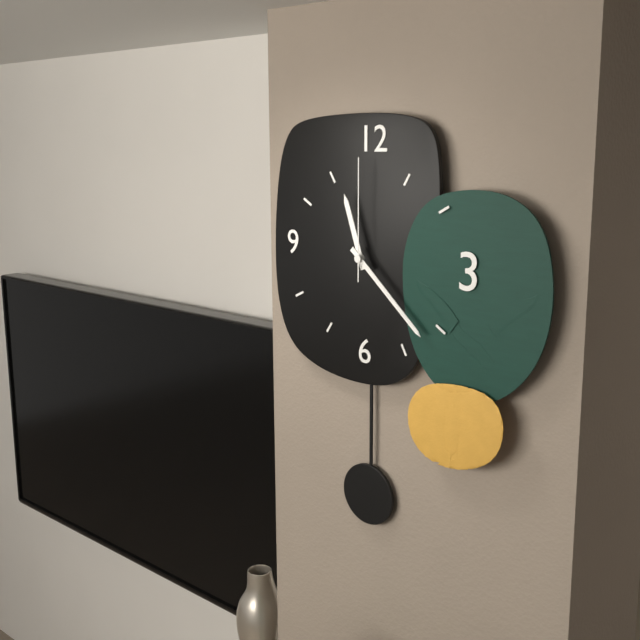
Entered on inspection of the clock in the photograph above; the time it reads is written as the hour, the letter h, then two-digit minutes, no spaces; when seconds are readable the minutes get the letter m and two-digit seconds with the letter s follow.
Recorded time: 11h22m00s
